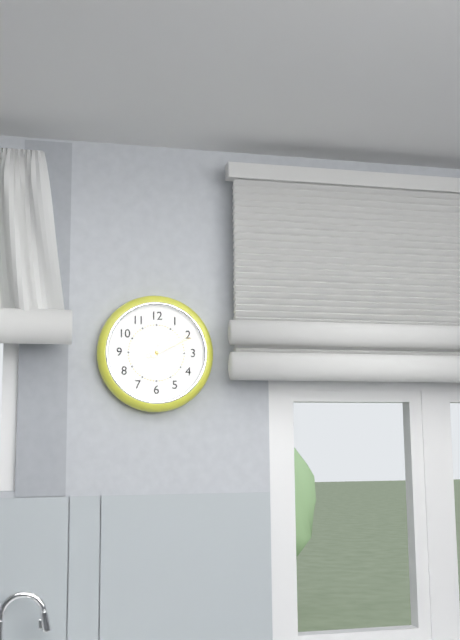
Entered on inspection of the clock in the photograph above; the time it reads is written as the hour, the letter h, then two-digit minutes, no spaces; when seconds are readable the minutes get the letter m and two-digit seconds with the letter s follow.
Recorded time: 1h10
